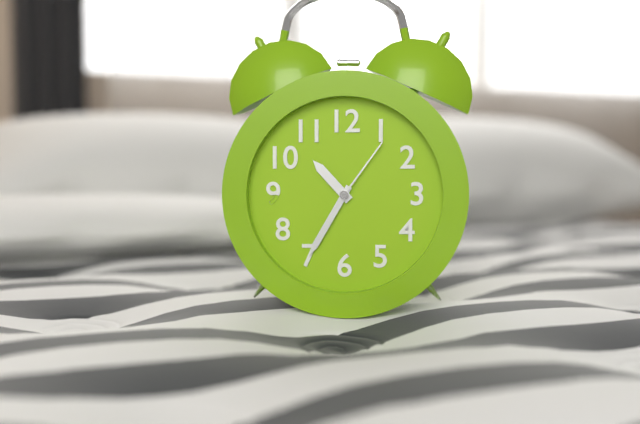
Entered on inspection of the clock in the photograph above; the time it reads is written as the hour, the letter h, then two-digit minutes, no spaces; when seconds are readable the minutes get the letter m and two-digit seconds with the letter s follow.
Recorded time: 10h35m06s
